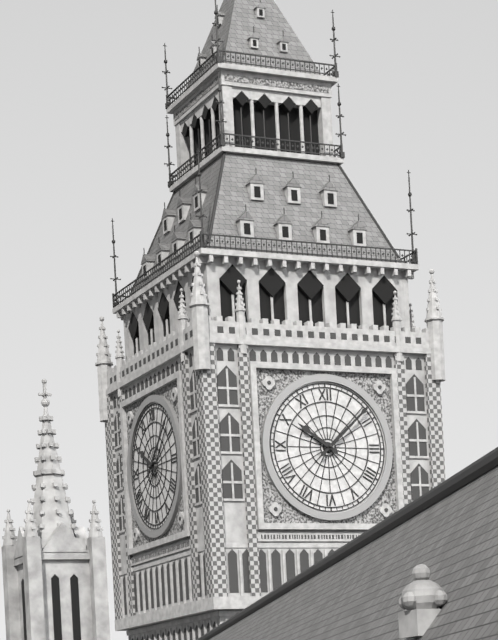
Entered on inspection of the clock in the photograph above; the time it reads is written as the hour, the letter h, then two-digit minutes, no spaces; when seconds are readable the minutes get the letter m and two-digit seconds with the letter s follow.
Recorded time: 10h08
